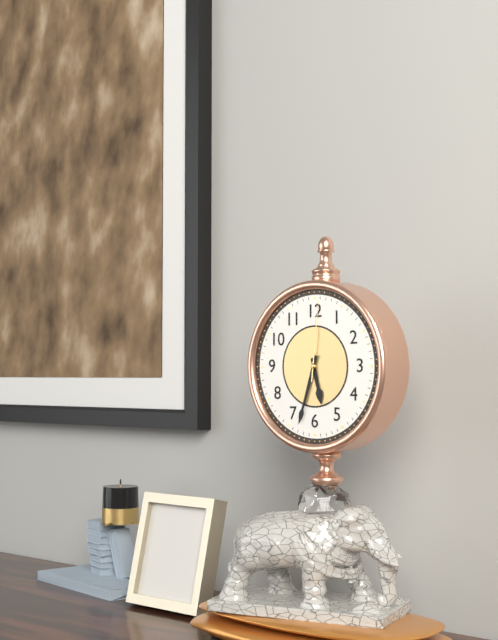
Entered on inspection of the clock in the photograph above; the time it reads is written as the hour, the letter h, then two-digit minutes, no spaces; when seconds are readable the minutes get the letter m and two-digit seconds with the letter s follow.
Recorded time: 5h33m01s
